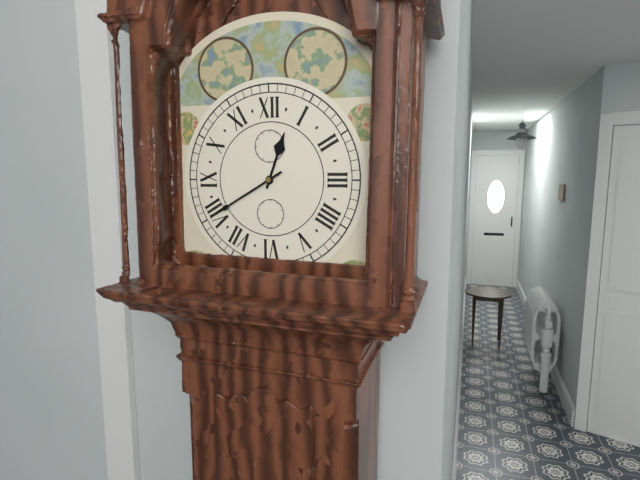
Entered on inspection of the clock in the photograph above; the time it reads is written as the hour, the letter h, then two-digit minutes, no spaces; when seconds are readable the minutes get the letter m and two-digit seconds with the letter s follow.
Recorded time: 12h40
